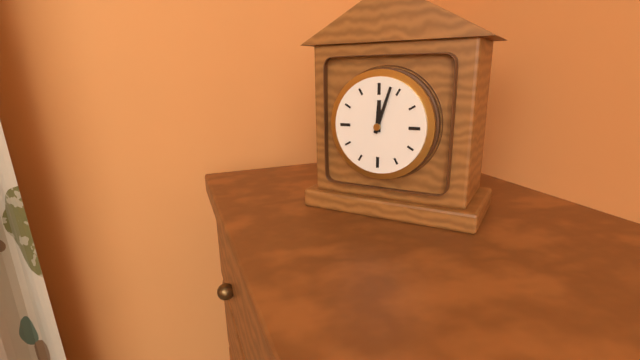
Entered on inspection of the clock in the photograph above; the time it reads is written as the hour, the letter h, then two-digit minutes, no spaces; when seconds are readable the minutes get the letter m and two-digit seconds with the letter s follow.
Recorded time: 12h03
